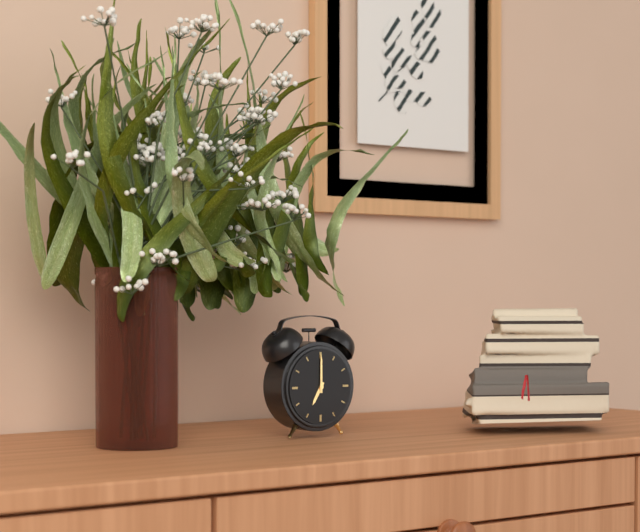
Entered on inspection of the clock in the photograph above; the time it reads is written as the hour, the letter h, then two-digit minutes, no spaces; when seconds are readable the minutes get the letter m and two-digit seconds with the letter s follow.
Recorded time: 7h00
